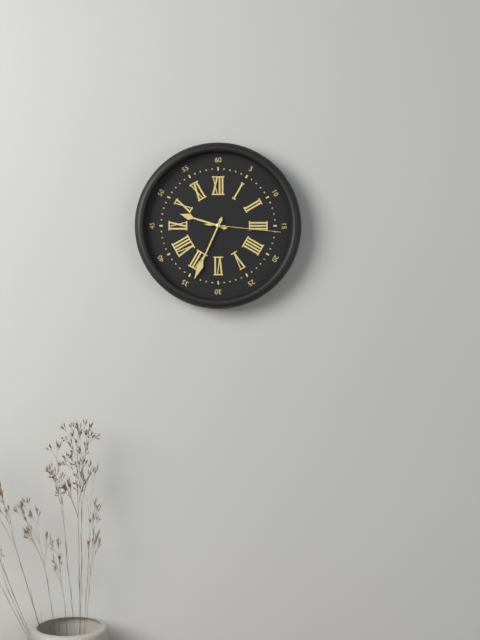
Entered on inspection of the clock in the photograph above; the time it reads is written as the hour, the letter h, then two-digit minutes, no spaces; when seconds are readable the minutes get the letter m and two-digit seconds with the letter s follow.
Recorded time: 9h34m16s
